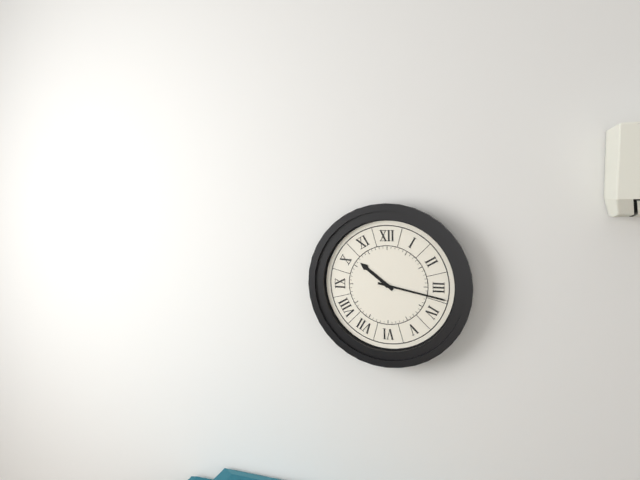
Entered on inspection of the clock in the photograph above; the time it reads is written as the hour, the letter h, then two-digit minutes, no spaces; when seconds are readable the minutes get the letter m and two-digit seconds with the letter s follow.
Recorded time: 10h17
